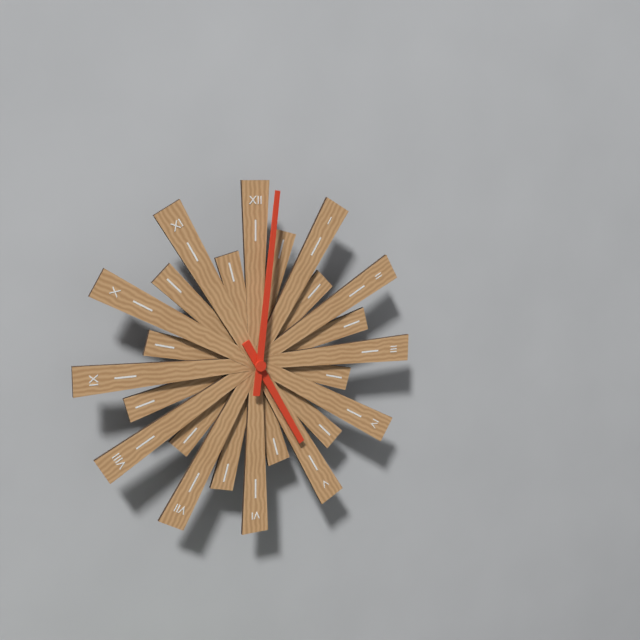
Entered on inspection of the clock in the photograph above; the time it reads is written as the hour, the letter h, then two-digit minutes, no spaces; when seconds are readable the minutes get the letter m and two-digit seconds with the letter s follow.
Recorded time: 5h01
